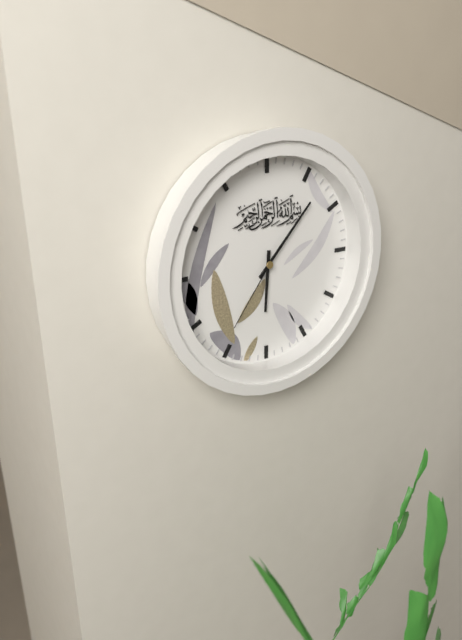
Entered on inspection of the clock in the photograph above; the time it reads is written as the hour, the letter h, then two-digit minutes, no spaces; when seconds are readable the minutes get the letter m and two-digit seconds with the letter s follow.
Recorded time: 6h07m36s
